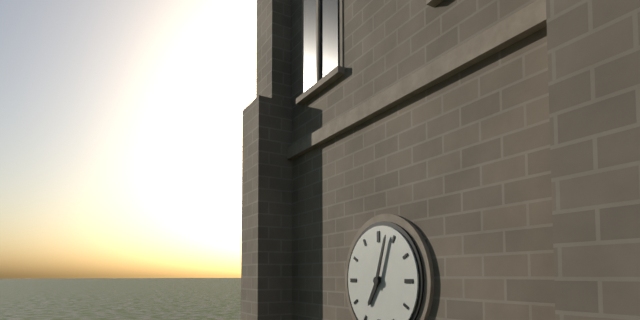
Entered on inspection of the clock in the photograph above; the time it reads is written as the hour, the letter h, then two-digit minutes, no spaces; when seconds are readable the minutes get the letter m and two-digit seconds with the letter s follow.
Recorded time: 7h03
